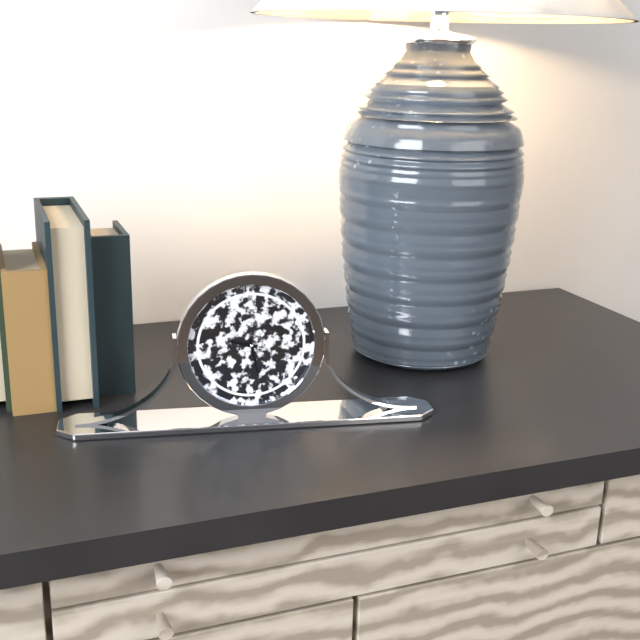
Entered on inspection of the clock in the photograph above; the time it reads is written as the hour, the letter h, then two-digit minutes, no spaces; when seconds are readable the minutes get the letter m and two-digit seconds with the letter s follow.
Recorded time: 9h28
